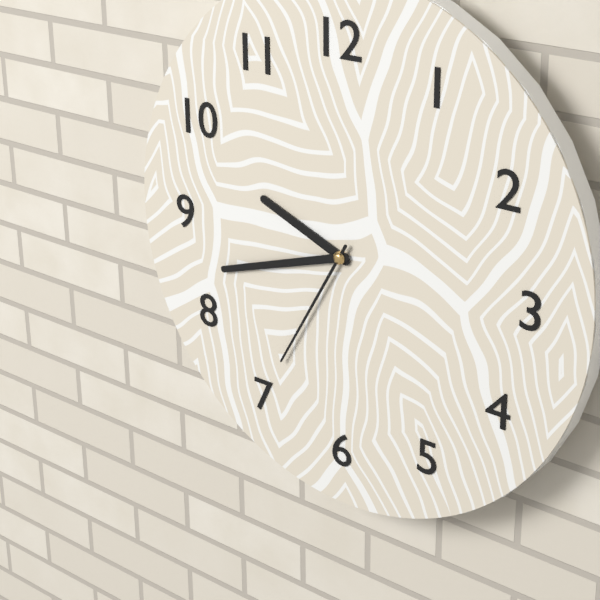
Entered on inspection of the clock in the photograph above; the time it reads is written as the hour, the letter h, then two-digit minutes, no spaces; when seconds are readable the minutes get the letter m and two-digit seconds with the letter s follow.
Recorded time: 9h42m35s
